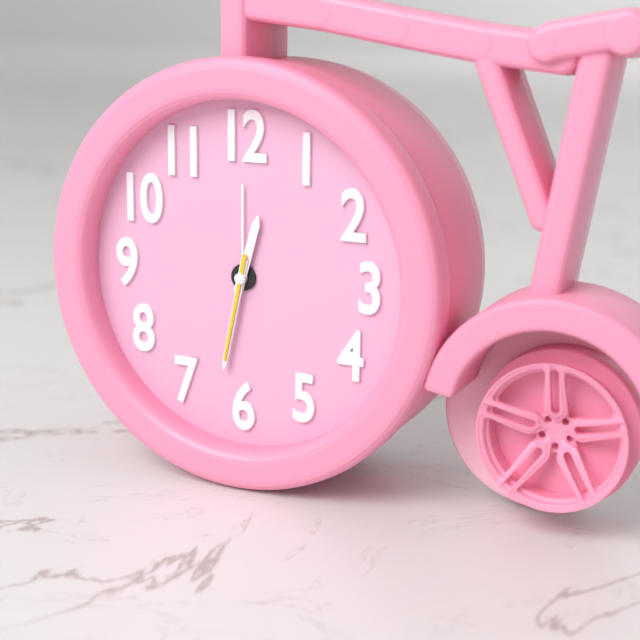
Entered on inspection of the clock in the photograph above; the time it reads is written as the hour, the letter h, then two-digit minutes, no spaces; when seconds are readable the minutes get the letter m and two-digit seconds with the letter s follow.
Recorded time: 12h32m32s
